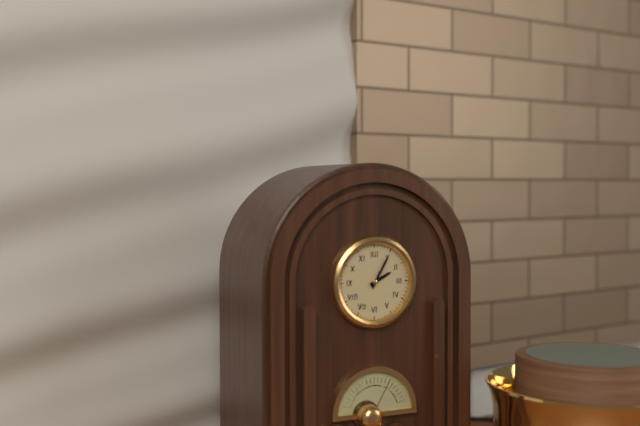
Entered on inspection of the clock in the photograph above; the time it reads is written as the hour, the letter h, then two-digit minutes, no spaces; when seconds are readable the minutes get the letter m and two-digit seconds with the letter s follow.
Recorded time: 2h05
